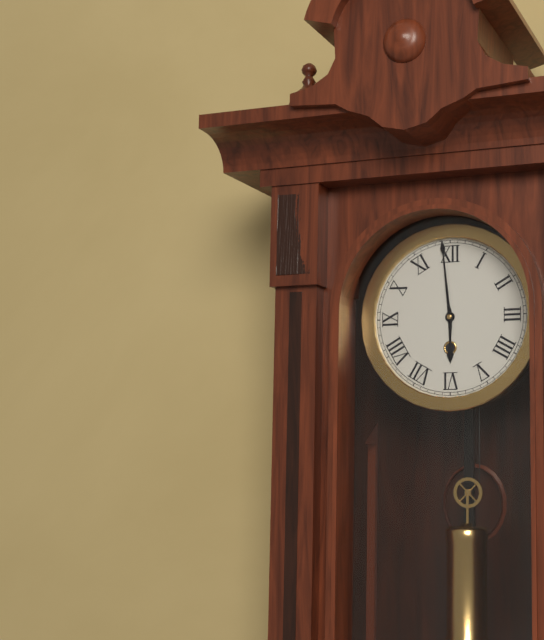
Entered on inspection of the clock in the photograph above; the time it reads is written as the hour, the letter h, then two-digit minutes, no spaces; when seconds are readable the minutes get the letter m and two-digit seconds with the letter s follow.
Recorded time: 5h59
